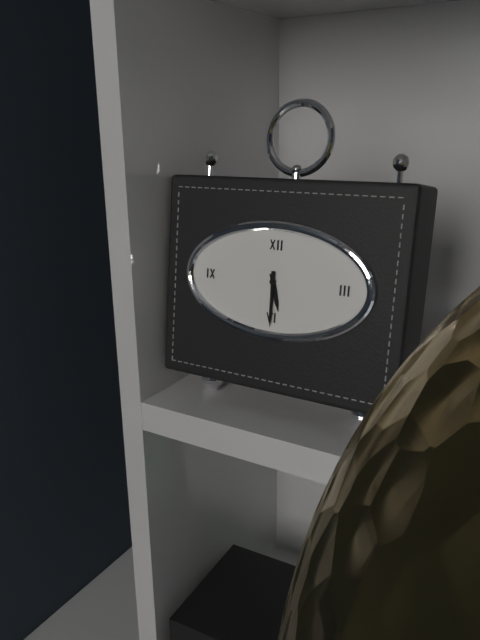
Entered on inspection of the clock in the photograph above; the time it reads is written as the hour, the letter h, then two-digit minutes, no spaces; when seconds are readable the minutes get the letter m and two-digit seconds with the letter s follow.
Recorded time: 5h30
